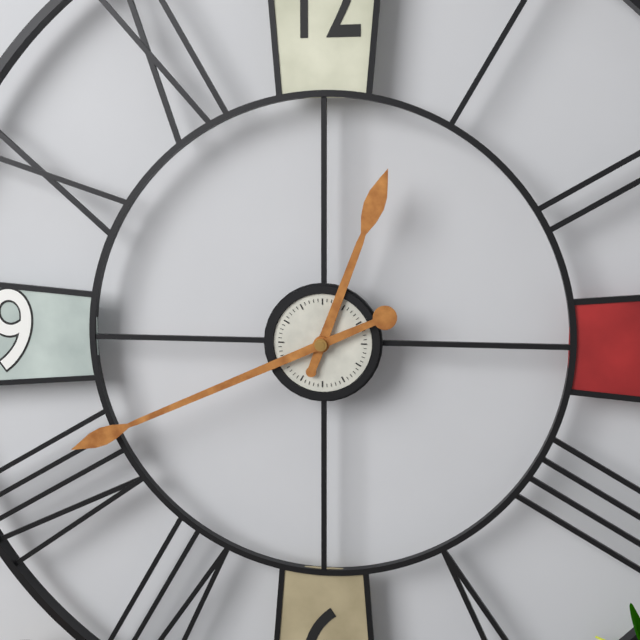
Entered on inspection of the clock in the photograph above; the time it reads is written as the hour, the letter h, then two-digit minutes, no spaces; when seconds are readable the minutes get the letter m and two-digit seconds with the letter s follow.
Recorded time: 12h41
